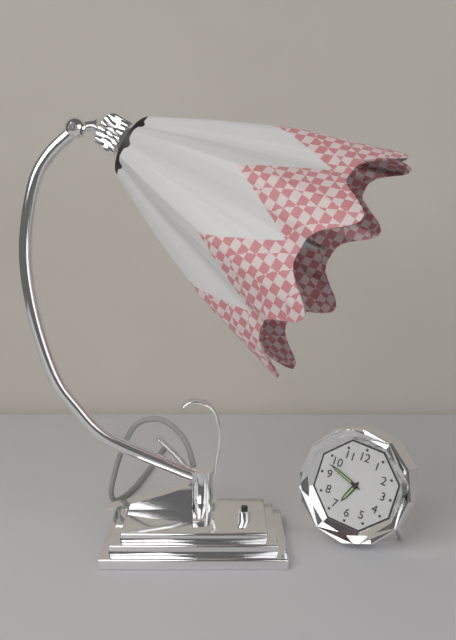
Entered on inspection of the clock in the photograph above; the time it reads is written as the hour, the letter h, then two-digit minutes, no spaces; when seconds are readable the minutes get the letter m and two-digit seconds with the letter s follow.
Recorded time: 6h48
